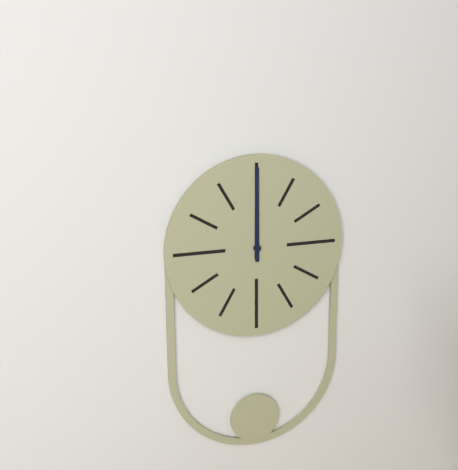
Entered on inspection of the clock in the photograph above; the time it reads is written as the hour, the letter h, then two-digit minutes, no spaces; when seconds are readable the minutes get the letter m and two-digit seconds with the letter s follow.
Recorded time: 12h00
